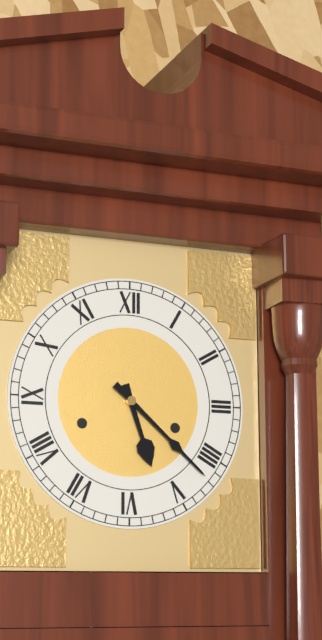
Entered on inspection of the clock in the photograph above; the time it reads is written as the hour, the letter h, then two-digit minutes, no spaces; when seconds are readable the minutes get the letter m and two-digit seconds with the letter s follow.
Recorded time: 5h22
